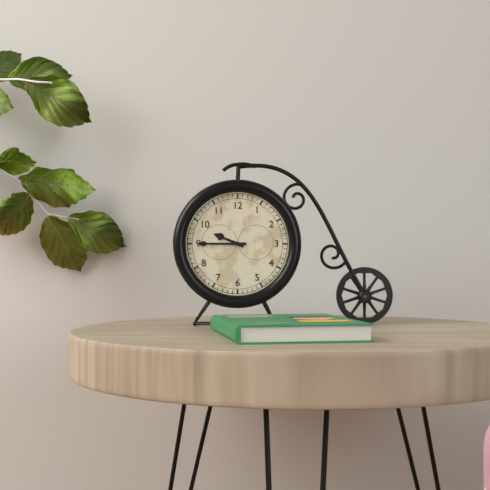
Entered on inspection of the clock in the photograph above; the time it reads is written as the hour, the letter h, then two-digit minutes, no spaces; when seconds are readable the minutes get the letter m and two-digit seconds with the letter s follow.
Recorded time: 9h45
